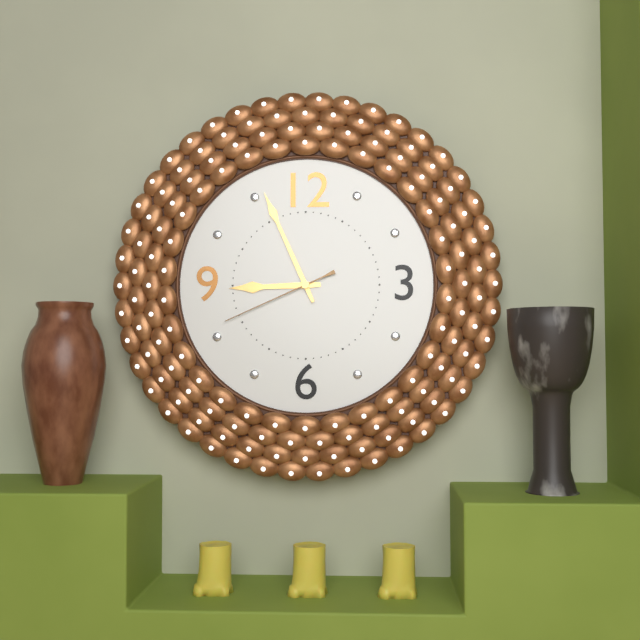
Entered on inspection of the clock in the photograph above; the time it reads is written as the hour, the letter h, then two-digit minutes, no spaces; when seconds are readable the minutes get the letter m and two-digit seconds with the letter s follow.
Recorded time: 8h56m41s
